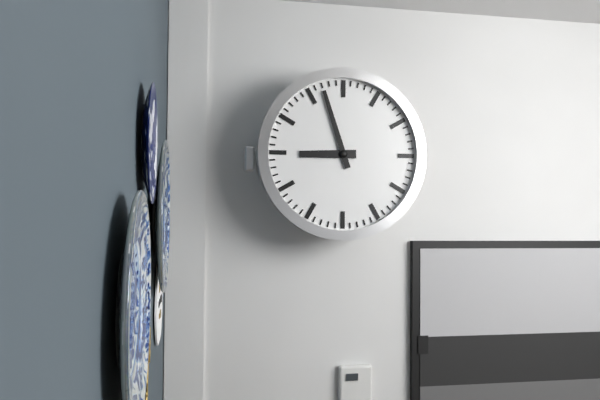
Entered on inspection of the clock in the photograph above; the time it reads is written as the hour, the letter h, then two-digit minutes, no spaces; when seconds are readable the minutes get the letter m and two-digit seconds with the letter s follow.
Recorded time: 8h57
